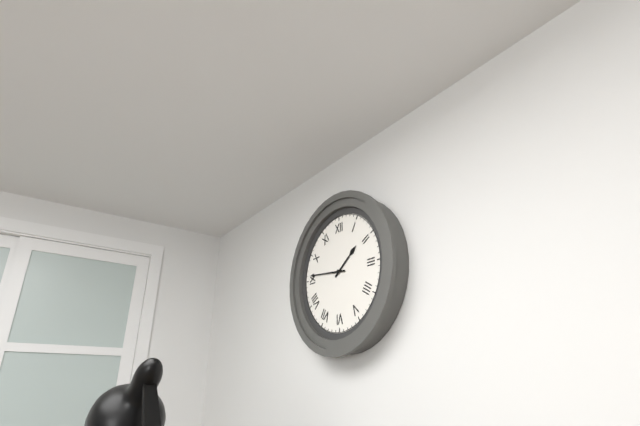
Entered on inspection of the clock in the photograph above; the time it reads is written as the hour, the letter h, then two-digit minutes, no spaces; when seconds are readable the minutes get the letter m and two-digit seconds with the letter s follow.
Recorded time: 1h46
